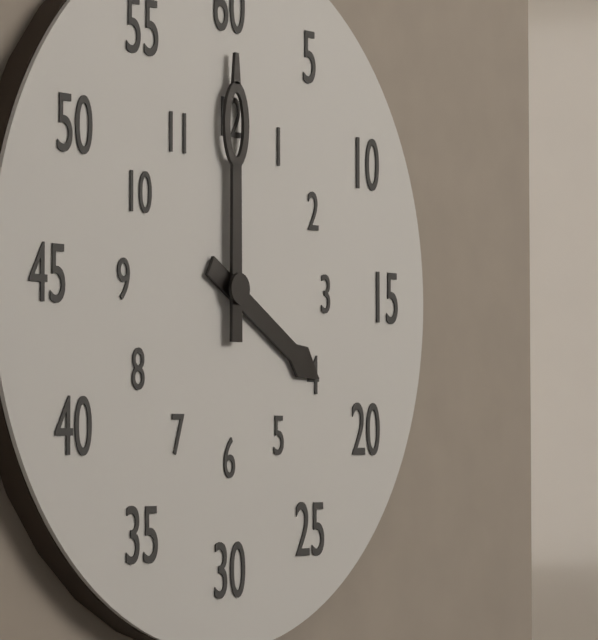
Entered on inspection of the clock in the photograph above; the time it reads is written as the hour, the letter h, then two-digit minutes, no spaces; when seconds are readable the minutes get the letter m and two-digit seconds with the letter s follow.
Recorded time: 4h00
